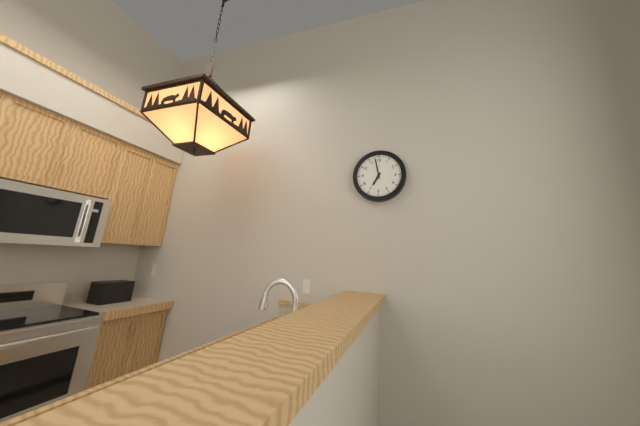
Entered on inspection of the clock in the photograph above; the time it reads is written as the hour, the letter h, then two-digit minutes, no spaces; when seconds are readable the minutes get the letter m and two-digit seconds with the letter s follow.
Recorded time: 6h58
